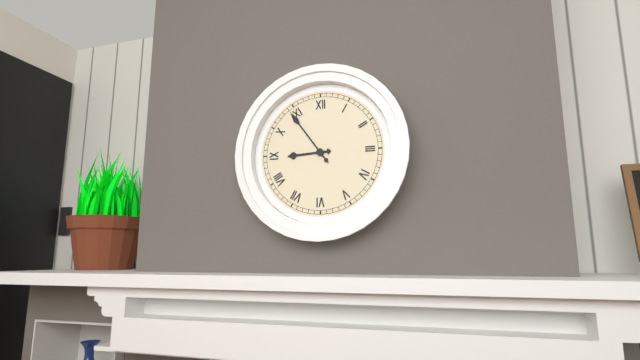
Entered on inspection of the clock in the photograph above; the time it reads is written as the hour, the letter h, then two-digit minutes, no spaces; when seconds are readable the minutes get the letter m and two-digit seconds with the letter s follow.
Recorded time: 8h54
